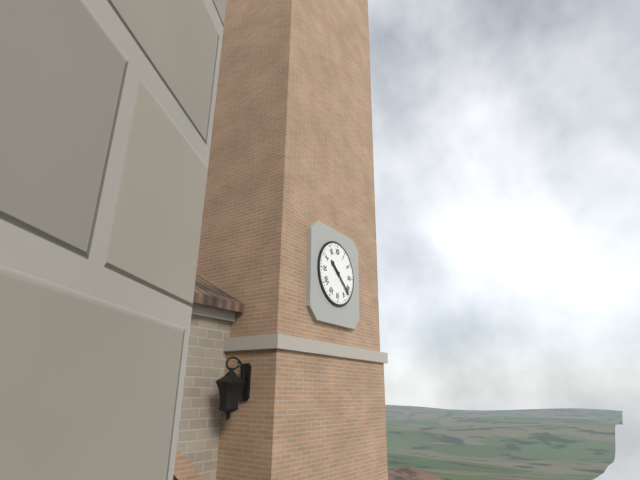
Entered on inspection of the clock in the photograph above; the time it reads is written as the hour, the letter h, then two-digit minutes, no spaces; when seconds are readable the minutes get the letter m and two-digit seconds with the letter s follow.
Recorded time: 10h22
